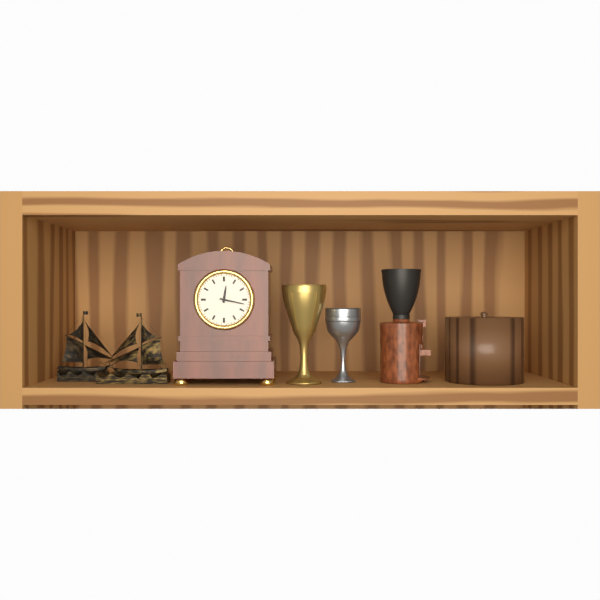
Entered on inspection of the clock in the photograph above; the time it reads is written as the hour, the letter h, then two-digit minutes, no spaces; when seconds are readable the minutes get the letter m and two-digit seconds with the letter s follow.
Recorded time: 12h17
